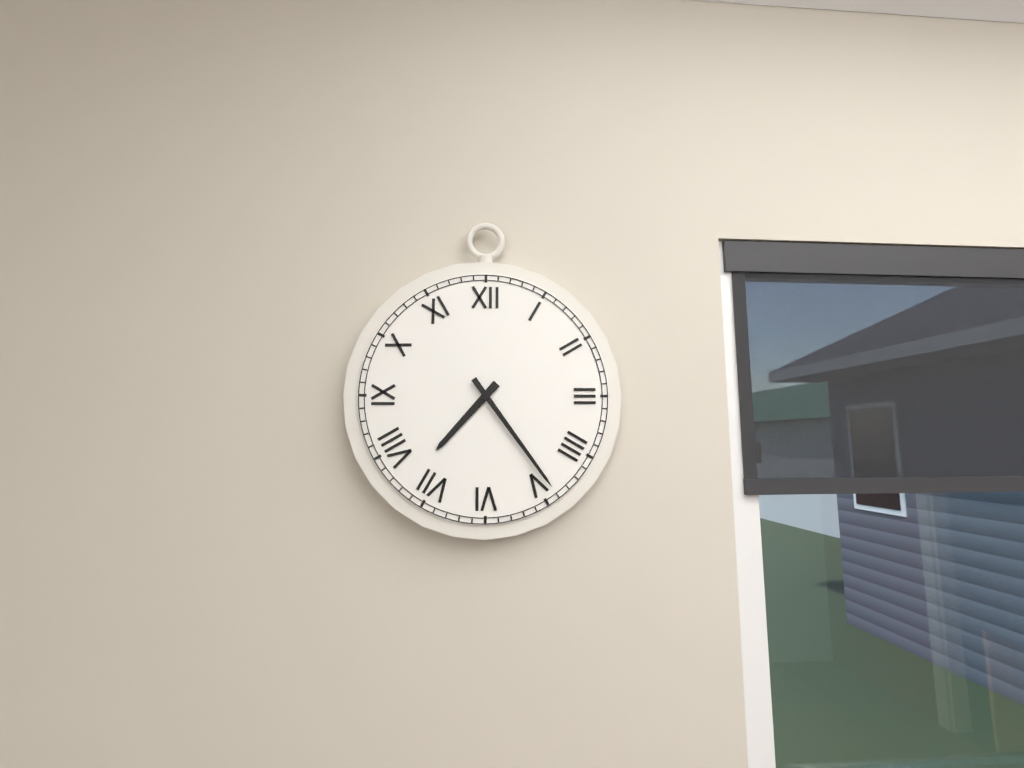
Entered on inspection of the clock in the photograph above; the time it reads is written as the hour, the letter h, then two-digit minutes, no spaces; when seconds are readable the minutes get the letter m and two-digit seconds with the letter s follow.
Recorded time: 7h24
